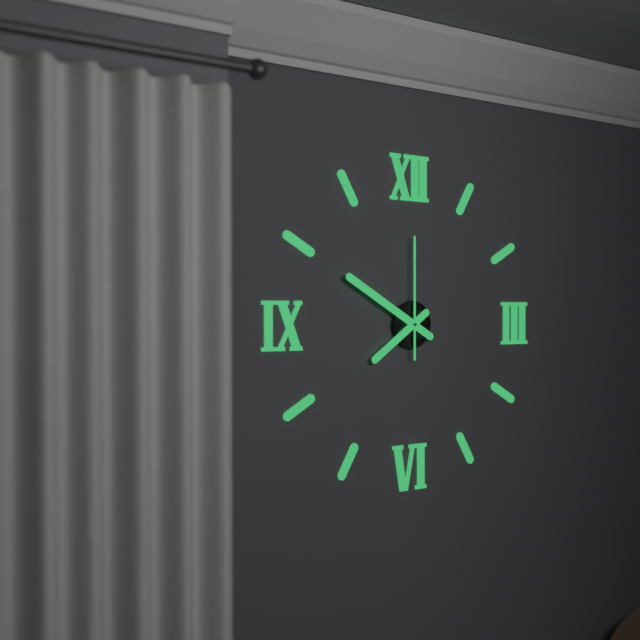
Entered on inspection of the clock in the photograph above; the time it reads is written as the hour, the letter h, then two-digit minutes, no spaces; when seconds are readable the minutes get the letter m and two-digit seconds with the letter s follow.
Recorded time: 7h50m00s
